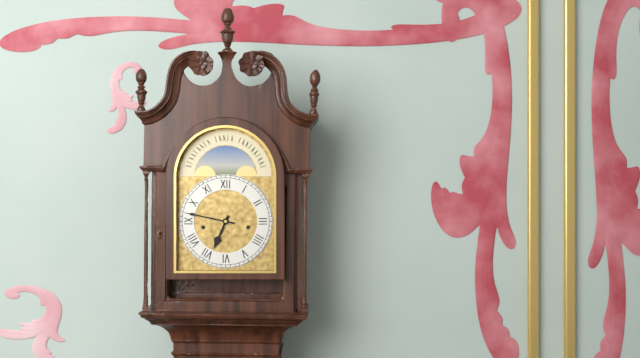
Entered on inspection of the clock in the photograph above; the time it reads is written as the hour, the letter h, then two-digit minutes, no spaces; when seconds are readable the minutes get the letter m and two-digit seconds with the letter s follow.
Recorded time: 6h47
